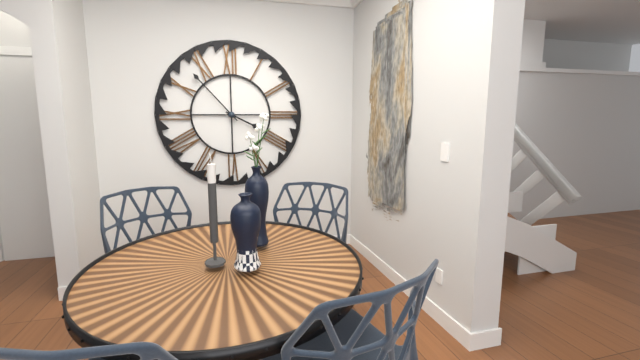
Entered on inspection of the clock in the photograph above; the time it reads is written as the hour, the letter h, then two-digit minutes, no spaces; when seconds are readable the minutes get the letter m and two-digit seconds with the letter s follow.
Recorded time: 3h53
